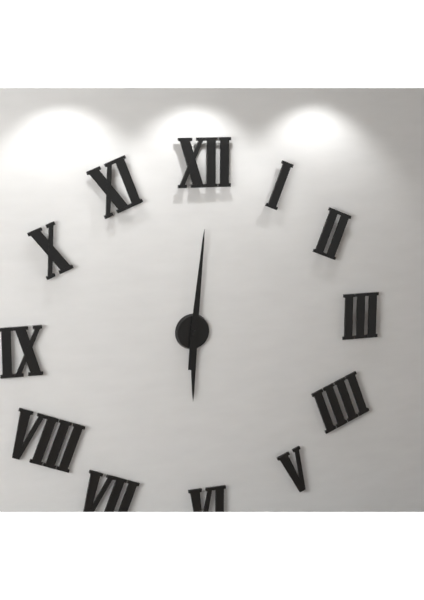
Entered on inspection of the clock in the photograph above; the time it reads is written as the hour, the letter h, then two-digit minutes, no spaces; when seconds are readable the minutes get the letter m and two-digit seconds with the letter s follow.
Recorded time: 6h01
